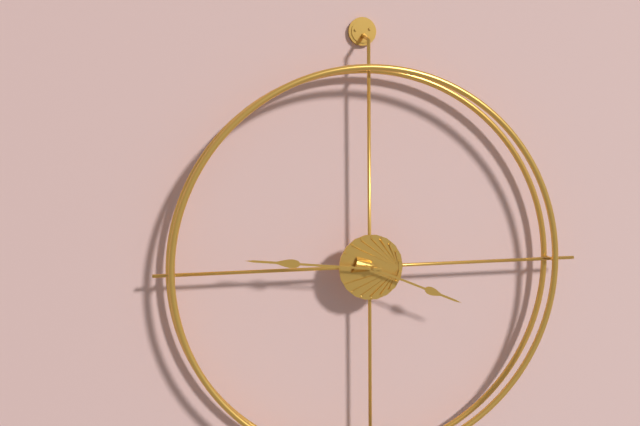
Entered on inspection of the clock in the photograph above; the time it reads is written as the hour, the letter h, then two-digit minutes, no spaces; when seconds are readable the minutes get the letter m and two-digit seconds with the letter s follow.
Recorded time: 3h46
